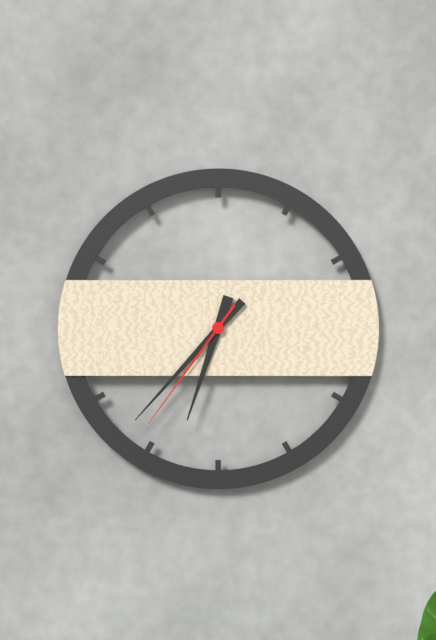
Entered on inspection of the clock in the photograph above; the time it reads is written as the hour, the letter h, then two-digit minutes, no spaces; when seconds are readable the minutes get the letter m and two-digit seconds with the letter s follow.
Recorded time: 6h37m36s
